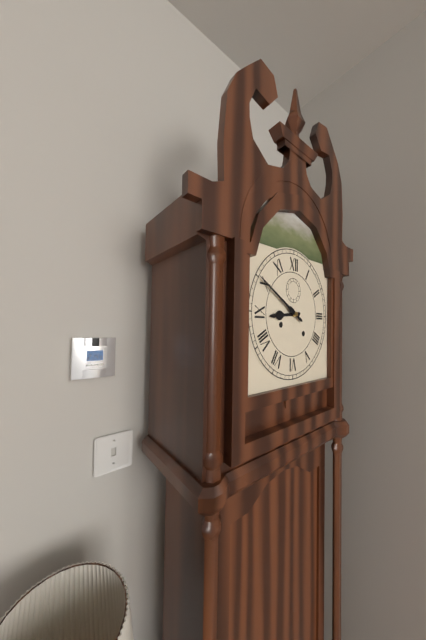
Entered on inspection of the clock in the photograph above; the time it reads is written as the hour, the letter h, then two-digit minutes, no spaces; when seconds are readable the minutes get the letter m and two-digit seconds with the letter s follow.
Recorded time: 8h50
